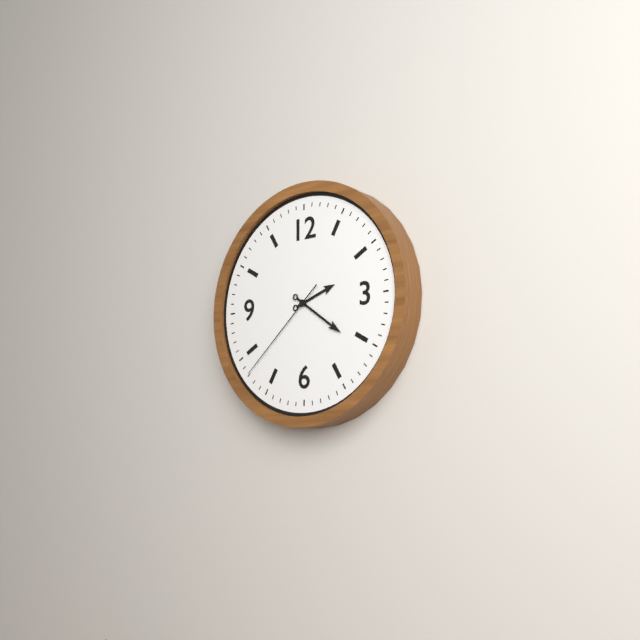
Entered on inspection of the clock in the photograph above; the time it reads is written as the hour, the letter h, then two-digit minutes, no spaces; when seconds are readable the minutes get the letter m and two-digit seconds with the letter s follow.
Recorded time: 2h21m38s
